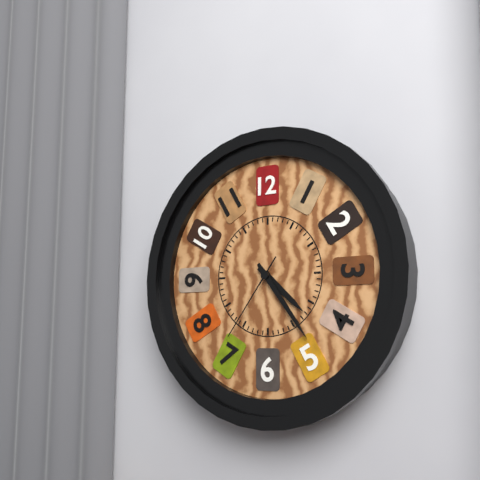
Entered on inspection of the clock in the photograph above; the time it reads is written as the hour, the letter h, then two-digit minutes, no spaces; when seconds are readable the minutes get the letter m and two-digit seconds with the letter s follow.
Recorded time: 4h24m36s
